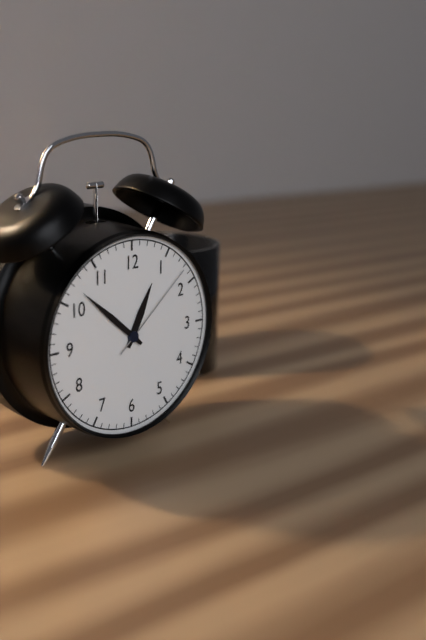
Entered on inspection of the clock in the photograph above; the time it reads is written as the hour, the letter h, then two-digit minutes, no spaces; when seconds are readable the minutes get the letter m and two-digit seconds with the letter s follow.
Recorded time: 12h52m08s
